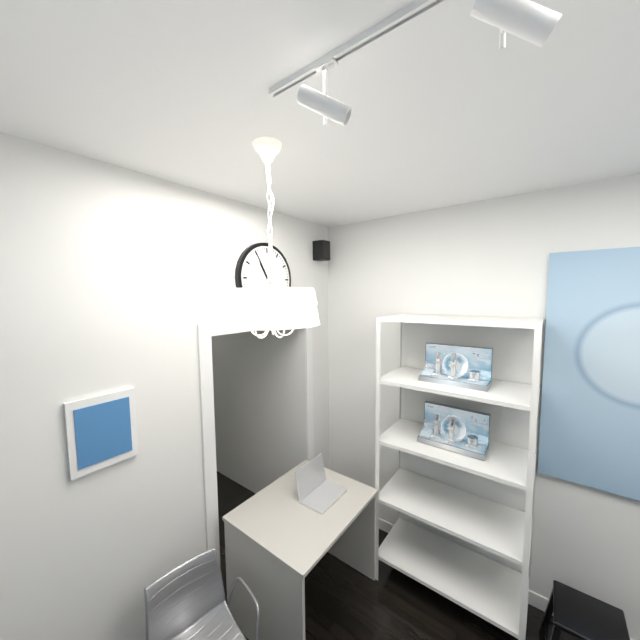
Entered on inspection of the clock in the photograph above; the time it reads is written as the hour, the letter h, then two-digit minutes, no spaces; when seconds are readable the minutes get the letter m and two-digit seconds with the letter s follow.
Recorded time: 10h55
